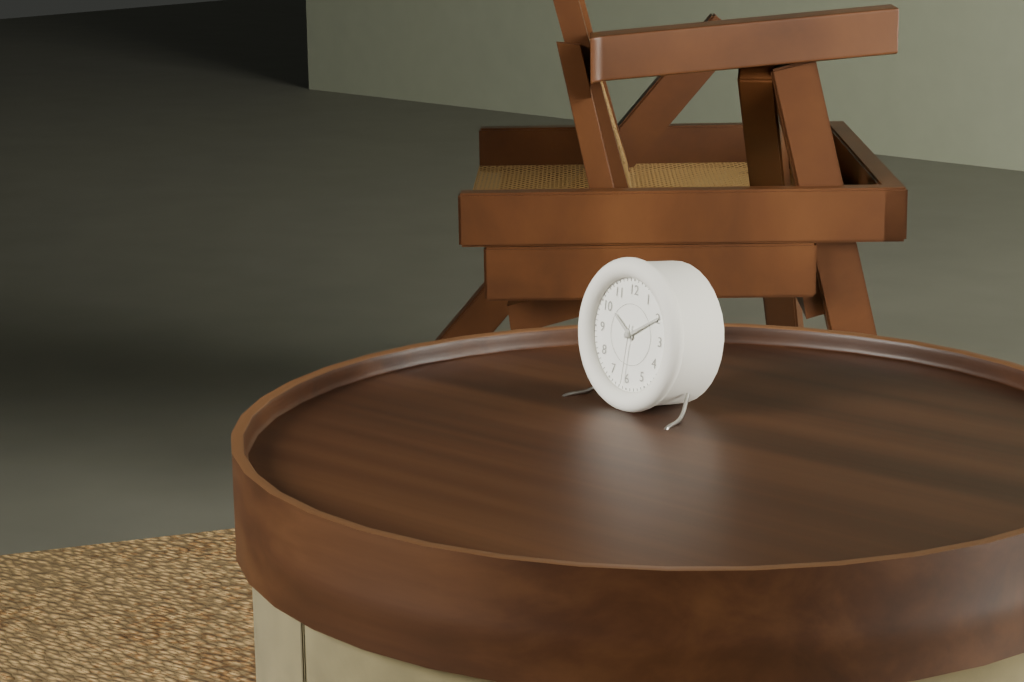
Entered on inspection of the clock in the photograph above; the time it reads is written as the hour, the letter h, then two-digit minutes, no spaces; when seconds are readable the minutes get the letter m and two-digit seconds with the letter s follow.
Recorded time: 10h10m31s
